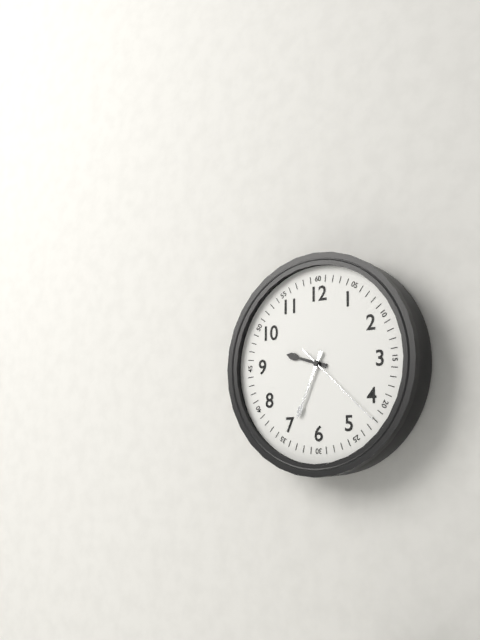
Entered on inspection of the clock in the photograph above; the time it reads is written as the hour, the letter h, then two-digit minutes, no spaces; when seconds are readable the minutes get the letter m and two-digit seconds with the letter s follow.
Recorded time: 9h34m22s
